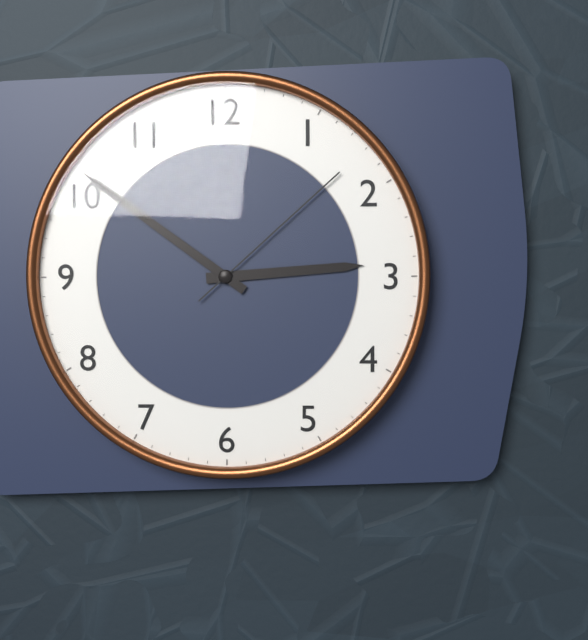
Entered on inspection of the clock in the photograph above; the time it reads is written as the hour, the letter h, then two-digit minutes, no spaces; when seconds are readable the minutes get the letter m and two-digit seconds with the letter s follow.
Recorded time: 2h51m08s
